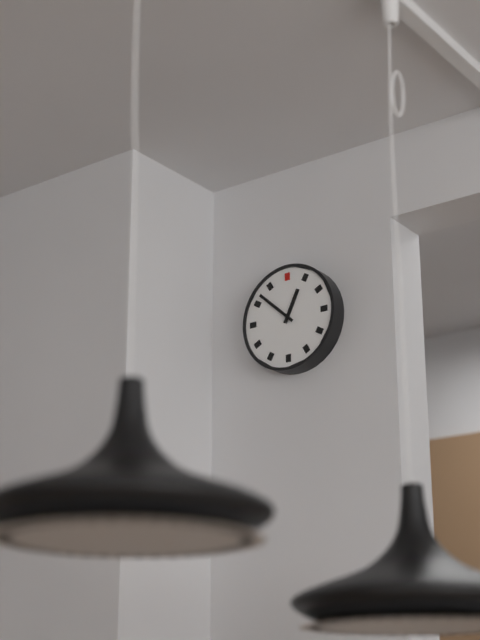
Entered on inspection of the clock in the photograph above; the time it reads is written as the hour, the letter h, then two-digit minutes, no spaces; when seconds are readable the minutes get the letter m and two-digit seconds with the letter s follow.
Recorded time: 12h52
